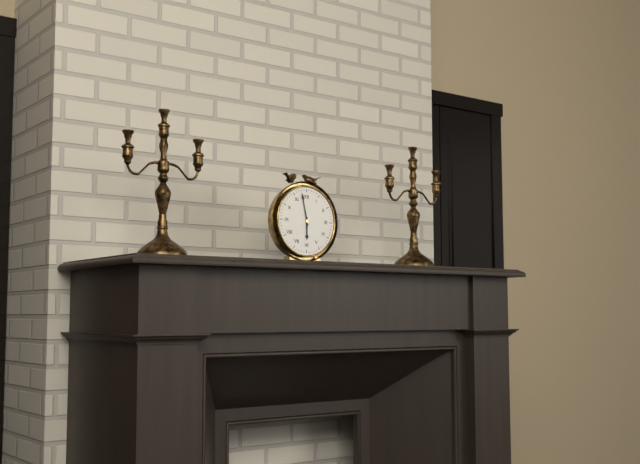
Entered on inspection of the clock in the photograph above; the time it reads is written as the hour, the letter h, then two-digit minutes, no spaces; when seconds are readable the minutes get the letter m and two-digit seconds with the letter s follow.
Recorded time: 5h58
